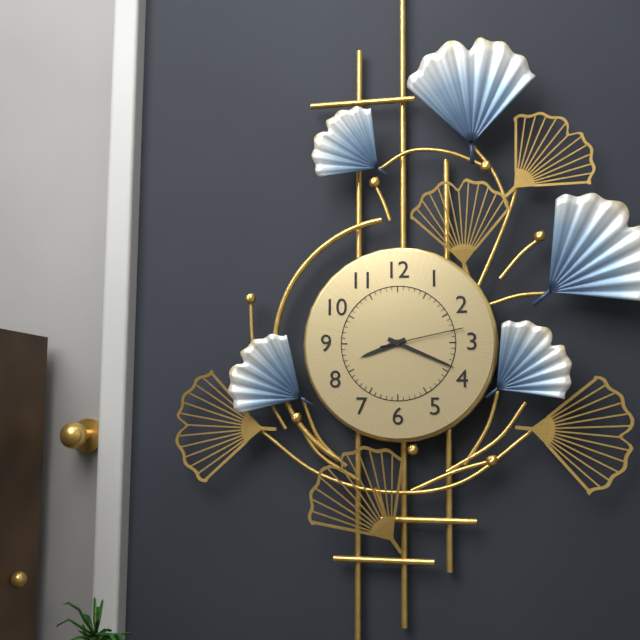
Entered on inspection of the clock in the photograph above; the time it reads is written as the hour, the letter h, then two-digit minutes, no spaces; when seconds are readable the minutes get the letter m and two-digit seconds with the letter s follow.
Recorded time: 8h19m13s
